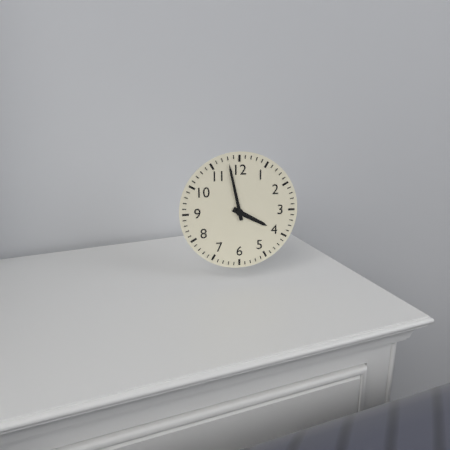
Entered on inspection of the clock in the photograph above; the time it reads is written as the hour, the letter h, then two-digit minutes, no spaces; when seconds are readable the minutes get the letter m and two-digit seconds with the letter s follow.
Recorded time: 3h58
